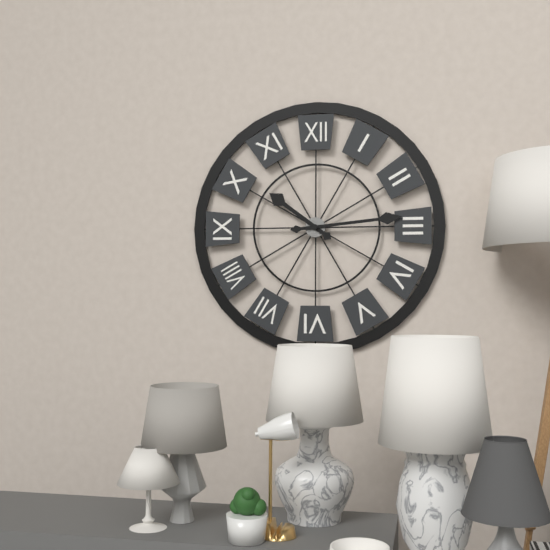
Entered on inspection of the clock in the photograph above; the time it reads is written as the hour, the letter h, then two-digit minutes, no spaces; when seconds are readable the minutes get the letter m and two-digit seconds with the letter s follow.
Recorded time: 10h14
